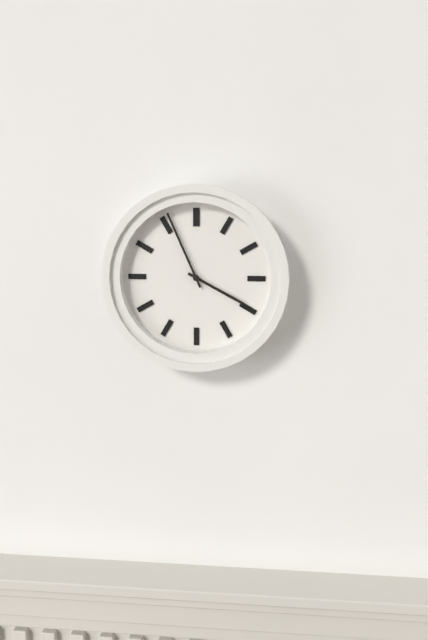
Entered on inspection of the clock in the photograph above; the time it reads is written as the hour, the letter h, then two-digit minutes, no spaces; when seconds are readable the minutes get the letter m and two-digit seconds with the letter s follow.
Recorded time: 3h56
